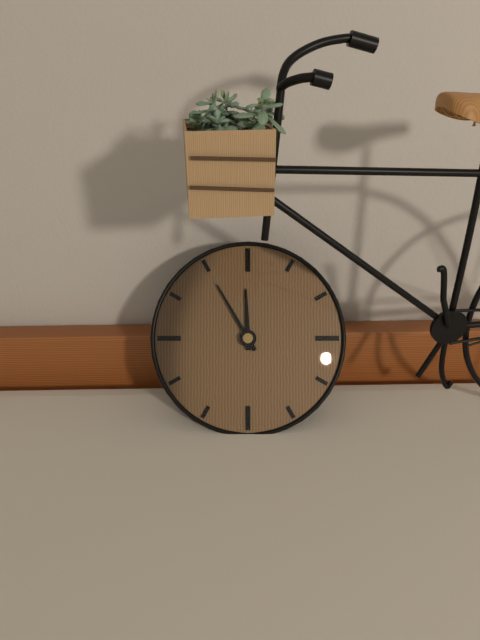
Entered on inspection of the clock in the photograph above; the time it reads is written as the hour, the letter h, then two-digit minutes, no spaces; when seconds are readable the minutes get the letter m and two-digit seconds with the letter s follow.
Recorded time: 11h55
